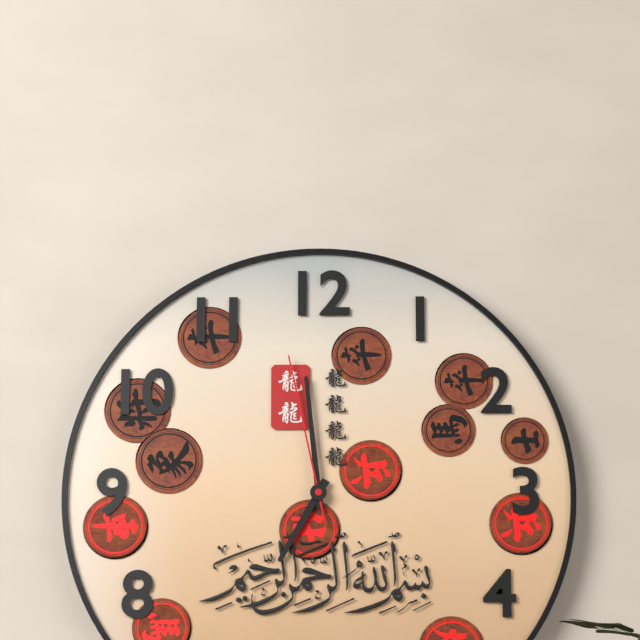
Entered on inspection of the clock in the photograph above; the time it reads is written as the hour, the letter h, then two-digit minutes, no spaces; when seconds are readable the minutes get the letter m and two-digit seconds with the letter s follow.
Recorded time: 6h59m58s
